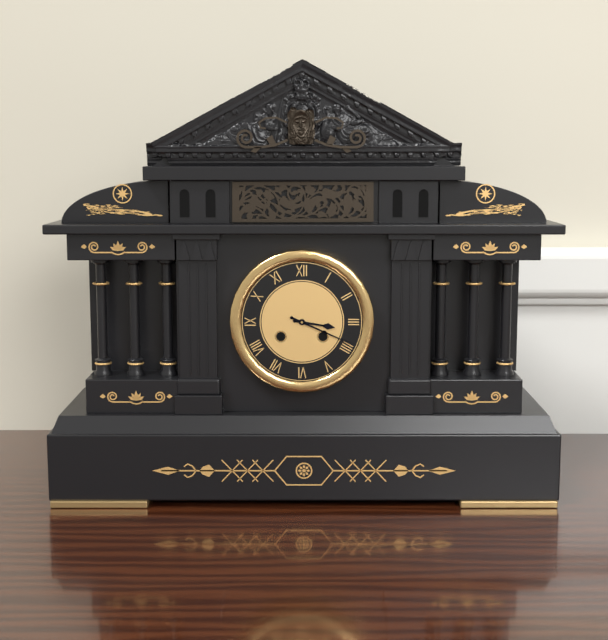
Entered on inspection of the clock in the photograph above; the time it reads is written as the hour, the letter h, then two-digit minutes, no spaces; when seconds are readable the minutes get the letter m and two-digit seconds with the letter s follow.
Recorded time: 3h19
